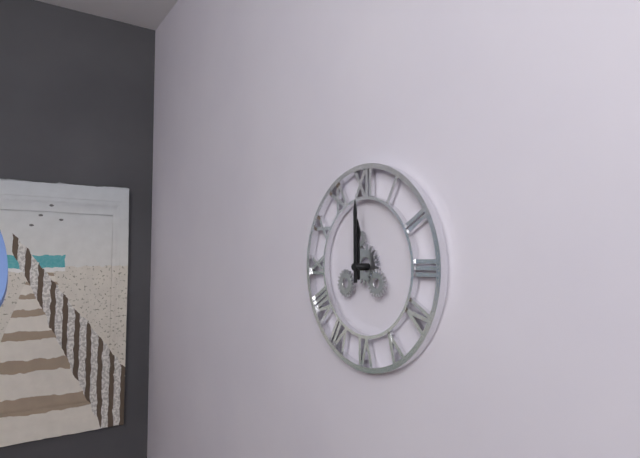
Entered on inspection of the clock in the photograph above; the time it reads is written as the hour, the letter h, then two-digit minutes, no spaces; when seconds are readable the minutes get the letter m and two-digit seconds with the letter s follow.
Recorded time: 12h00
